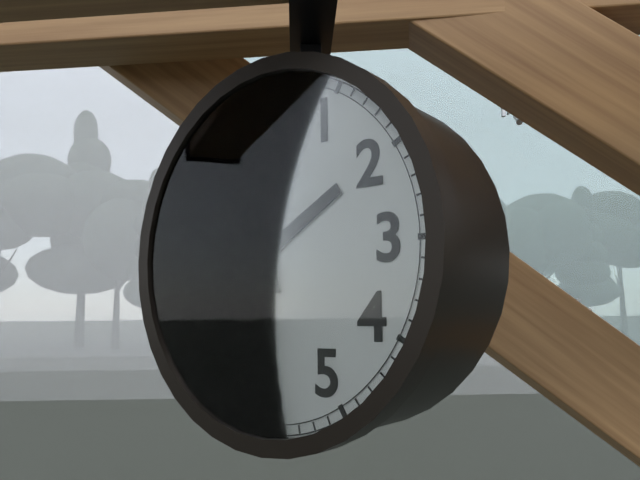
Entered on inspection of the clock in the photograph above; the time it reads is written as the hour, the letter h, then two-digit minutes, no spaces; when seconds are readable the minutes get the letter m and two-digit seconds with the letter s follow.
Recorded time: 1h58
